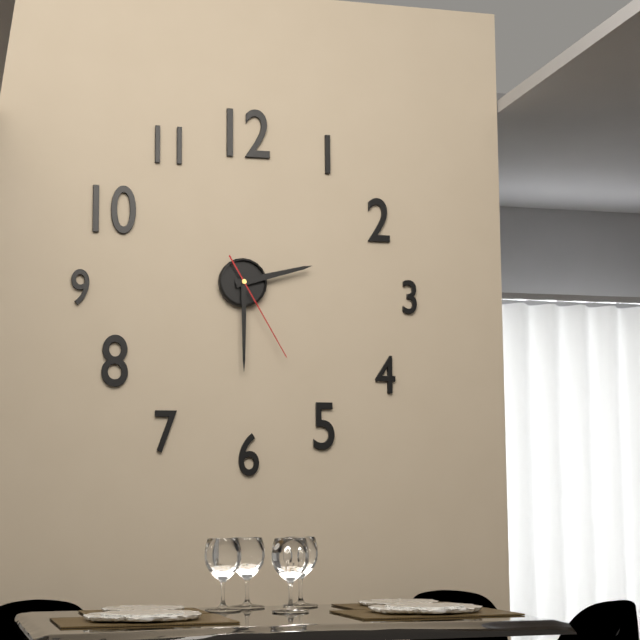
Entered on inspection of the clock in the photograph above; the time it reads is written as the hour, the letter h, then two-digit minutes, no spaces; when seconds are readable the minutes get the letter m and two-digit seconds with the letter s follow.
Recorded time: 2h30m25s
